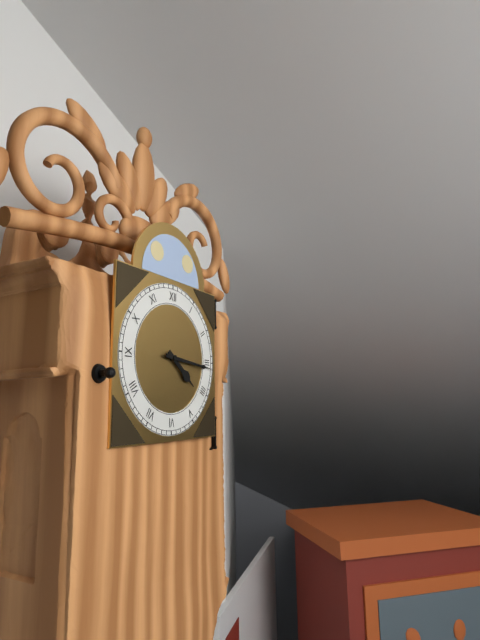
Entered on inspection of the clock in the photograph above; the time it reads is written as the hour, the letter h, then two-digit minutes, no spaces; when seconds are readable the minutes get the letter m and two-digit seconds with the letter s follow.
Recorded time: 4h16
